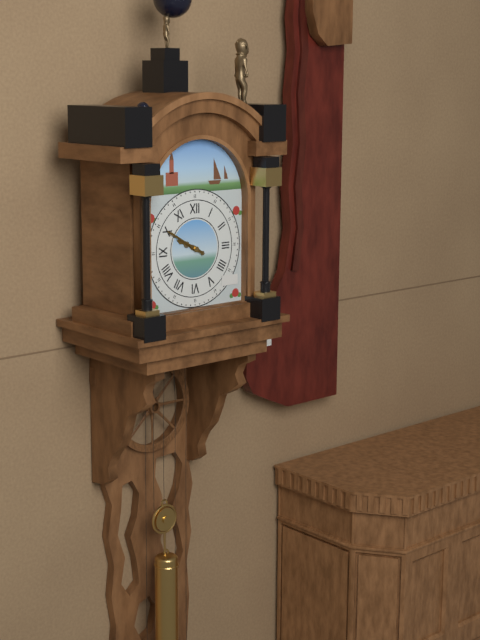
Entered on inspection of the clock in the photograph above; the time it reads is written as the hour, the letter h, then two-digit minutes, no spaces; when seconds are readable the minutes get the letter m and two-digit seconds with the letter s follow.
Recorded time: 9h50
